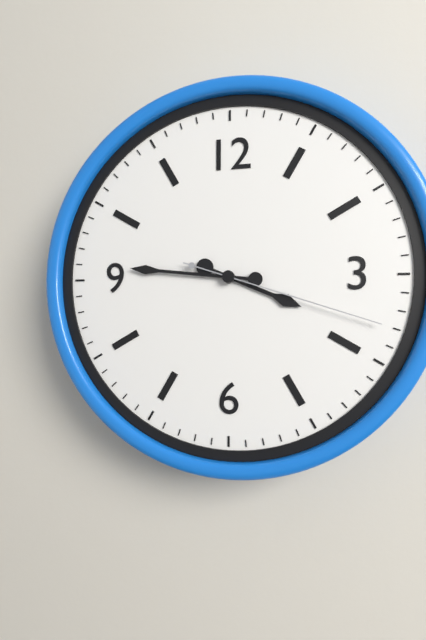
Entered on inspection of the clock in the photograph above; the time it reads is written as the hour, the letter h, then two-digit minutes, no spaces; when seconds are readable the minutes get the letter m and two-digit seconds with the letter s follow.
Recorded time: 3h46m18s
